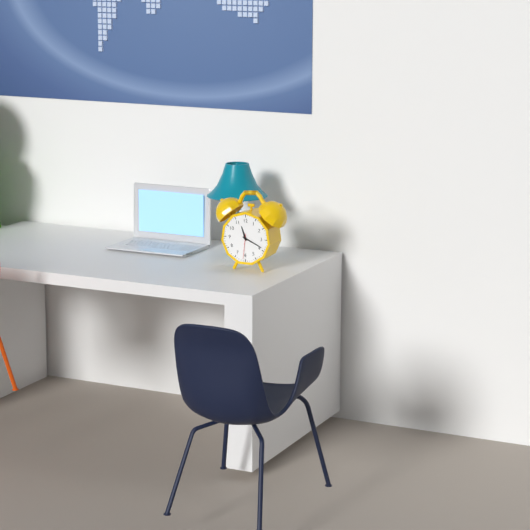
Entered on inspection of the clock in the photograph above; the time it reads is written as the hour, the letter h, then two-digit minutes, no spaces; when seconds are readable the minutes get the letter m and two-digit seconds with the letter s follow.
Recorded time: 11h19
